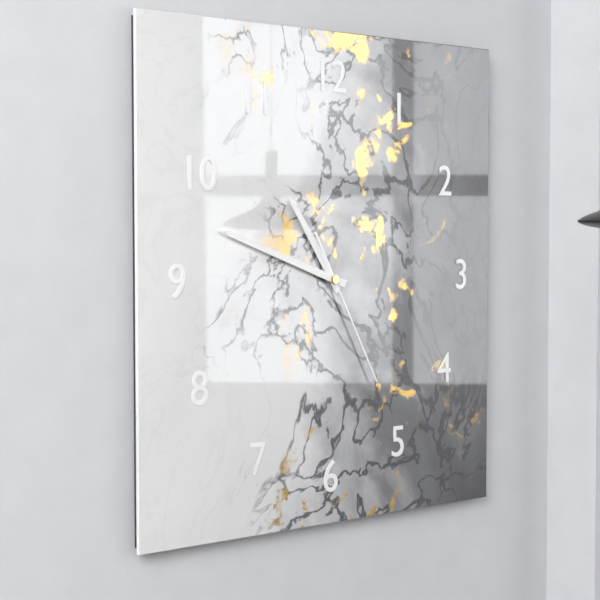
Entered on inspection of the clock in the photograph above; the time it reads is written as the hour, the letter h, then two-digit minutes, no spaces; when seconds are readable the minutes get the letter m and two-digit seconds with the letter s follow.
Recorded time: 10h48m25s
